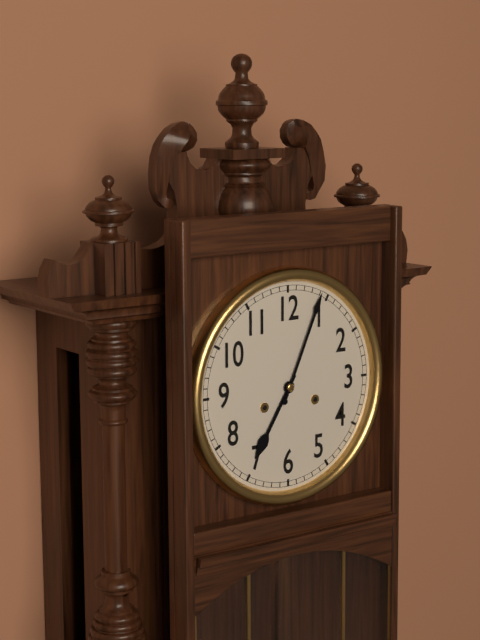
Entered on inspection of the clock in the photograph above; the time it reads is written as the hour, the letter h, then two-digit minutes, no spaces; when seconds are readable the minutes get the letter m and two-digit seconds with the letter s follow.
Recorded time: 7h04
